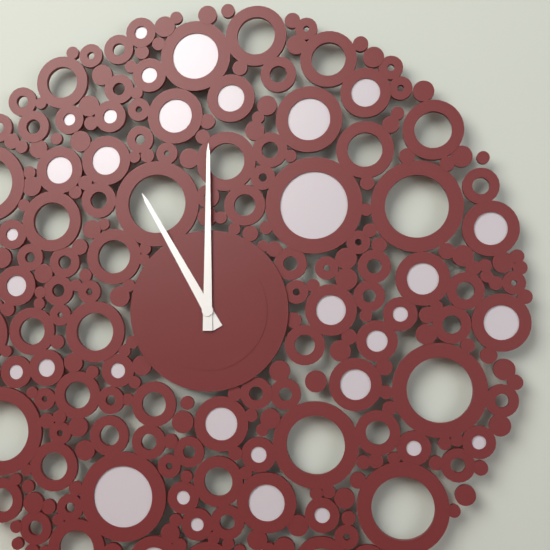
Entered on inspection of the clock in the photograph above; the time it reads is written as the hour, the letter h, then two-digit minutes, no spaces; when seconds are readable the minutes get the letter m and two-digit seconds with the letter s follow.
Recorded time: 11h00
